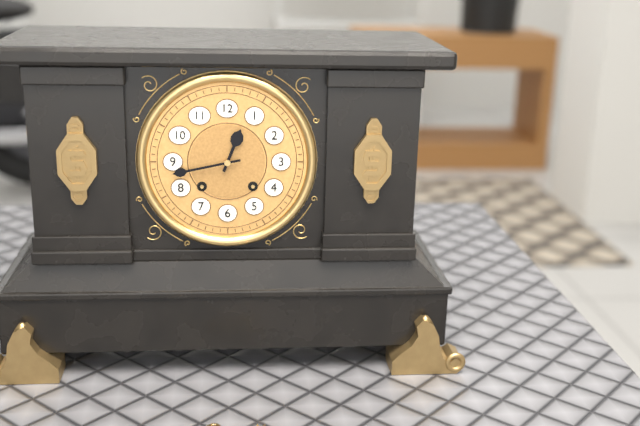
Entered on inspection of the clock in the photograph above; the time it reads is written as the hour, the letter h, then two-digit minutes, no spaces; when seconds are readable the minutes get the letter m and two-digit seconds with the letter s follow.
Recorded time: 12h43
